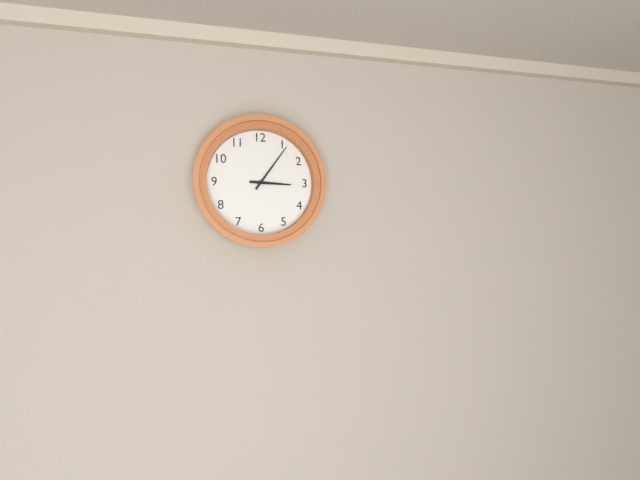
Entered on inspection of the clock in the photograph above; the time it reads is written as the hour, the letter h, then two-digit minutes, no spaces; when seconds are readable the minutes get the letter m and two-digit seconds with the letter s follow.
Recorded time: 3h06
